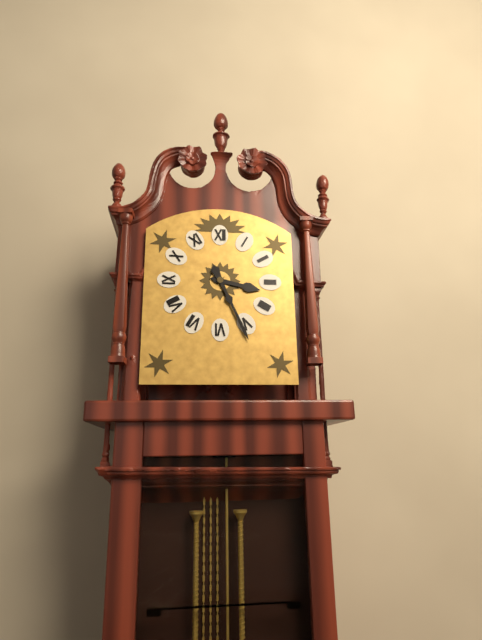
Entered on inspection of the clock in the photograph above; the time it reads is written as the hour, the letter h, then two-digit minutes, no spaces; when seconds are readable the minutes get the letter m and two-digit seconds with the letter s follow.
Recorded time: 3h26
